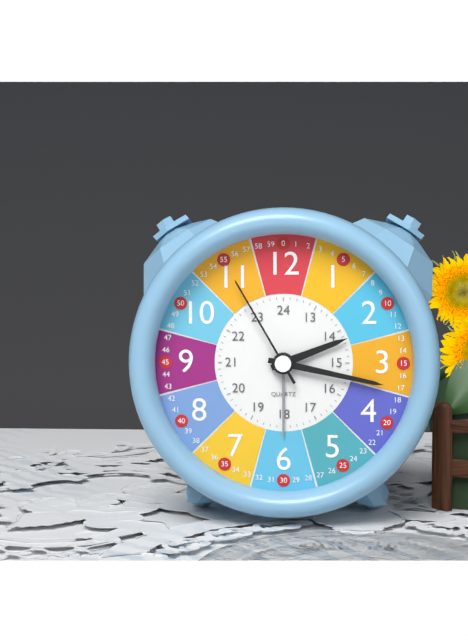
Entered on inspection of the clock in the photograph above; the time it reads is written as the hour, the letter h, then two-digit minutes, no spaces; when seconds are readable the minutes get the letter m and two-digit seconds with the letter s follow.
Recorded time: 2h17m55s
